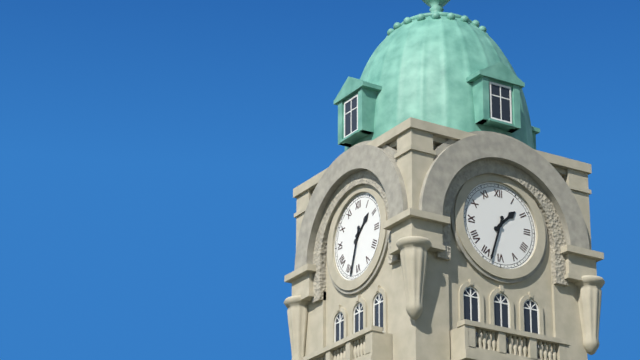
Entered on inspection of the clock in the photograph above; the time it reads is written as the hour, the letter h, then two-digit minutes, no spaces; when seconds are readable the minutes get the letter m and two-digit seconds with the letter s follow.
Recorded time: 1h33
